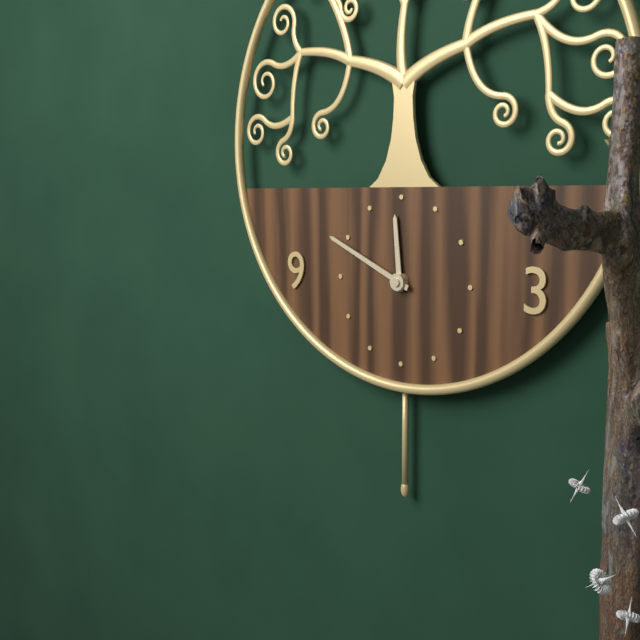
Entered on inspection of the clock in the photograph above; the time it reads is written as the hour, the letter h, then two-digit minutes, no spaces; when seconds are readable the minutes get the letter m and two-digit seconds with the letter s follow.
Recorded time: 11h49
